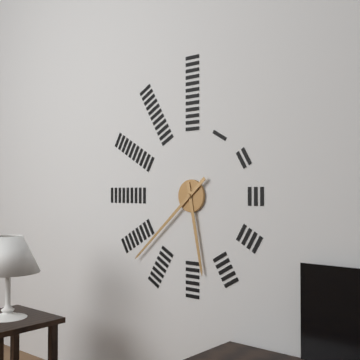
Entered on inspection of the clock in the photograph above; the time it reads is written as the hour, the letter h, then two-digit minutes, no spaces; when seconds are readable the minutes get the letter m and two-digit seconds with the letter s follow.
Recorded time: 5h38
